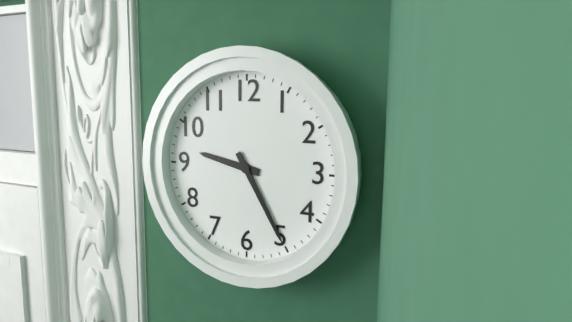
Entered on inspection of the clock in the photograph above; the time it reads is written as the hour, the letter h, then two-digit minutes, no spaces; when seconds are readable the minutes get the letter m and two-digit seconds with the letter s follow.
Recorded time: 9h25
